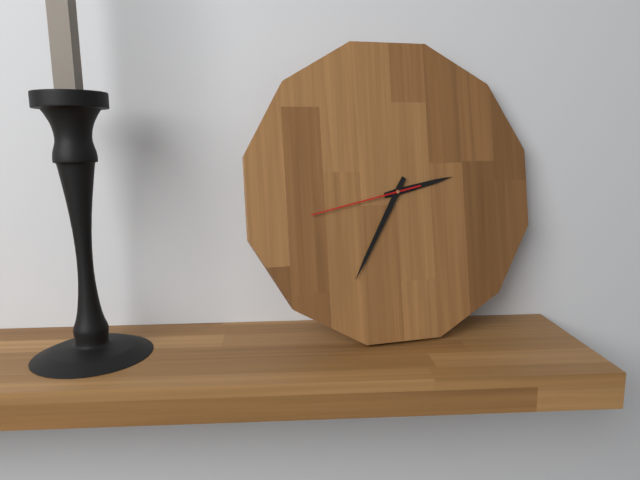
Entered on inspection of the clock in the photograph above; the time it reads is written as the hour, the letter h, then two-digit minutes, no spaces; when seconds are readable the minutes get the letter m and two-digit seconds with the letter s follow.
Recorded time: 2h35m43s
